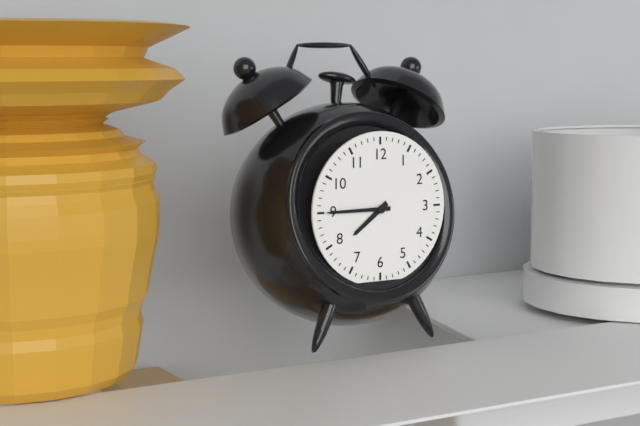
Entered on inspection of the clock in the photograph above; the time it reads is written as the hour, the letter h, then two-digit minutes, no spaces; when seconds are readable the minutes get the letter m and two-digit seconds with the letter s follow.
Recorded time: 7h45
